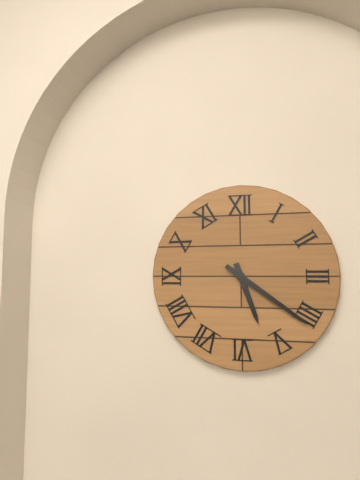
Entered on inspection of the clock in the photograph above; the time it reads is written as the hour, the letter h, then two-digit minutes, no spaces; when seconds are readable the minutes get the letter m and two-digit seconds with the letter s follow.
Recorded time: 5h21
